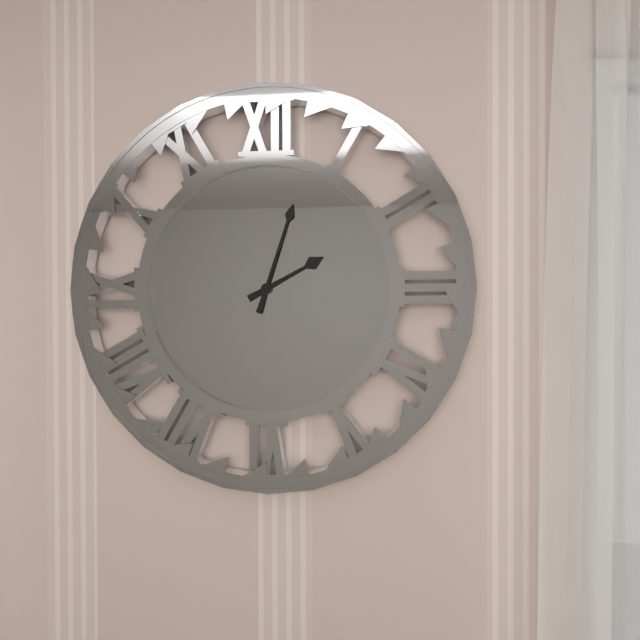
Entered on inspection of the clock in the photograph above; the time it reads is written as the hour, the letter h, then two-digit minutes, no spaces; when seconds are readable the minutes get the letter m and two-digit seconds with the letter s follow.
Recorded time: 2h03
